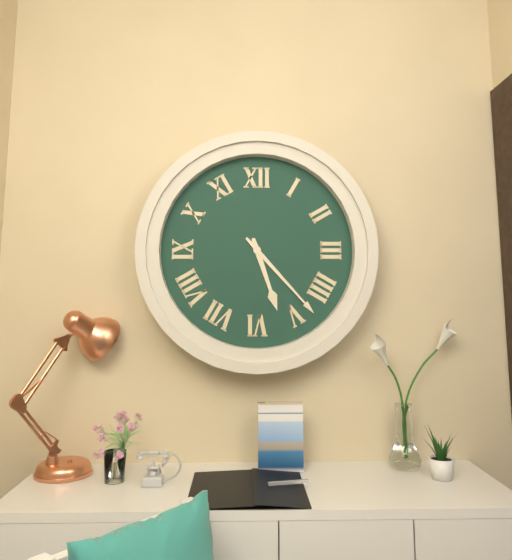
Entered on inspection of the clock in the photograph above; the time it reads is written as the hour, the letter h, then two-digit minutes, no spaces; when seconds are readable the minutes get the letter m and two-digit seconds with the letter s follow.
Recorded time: 5h23
